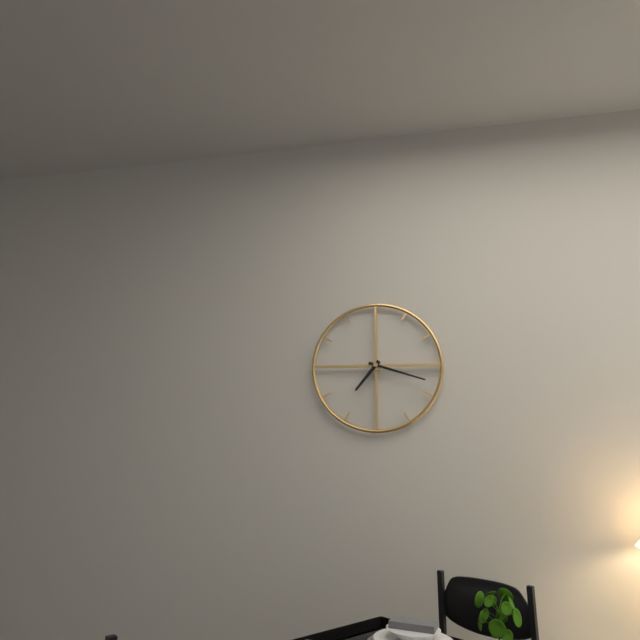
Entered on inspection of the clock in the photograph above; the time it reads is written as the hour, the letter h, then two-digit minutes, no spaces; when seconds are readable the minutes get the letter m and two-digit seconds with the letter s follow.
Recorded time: 7h18
